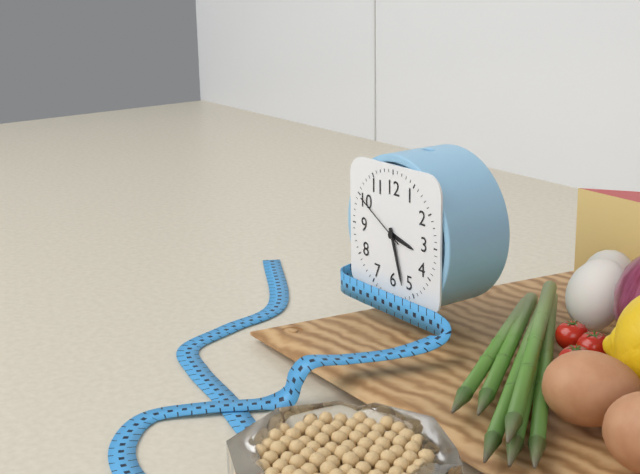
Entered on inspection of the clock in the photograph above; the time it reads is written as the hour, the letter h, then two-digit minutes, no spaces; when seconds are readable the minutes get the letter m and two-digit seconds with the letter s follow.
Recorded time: 3h27m50s
